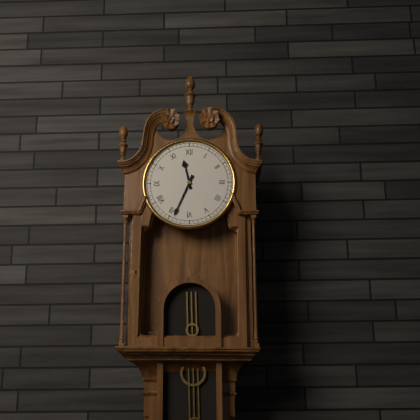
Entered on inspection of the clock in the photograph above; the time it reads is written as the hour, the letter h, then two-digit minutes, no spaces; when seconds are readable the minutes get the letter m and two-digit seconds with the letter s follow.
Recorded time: 11h34
